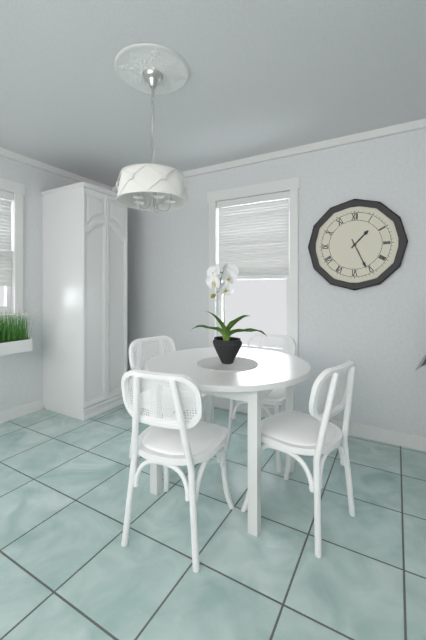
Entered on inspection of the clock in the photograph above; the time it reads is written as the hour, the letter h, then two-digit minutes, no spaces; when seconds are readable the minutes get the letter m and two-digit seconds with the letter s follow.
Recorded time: 1h26
